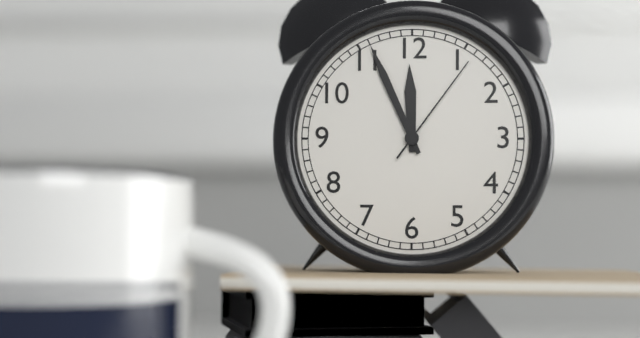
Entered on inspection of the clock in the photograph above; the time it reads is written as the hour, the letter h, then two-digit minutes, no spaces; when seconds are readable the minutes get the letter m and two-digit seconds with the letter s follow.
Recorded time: 11h56m06s
